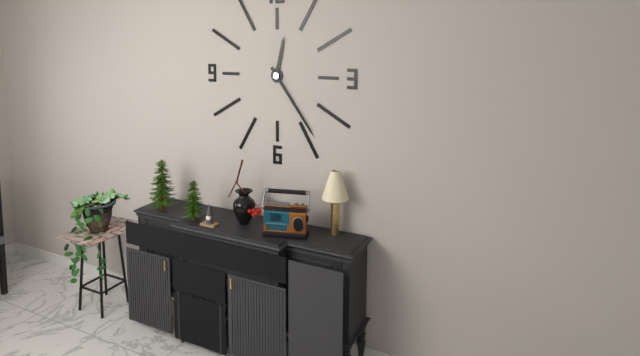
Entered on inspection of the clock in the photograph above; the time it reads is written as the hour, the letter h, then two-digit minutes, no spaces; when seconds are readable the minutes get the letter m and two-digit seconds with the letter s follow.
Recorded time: 12h24
